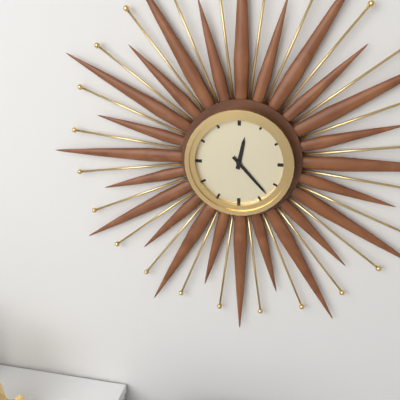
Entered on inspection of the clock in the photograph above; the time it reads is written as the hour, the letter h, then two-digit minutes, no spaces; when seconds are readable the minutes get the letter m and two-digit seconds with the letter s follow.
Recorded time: 12h23
